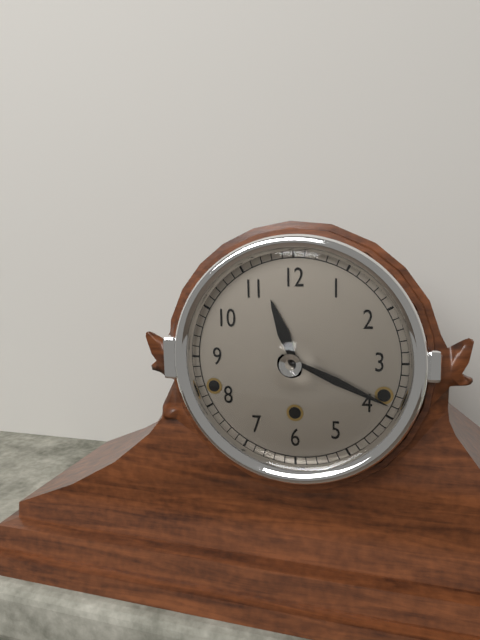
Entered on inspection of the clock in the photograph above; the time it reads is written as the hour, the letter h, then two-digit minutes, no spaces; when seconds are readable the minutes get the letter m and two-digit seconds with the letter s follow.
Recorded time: 11h19
